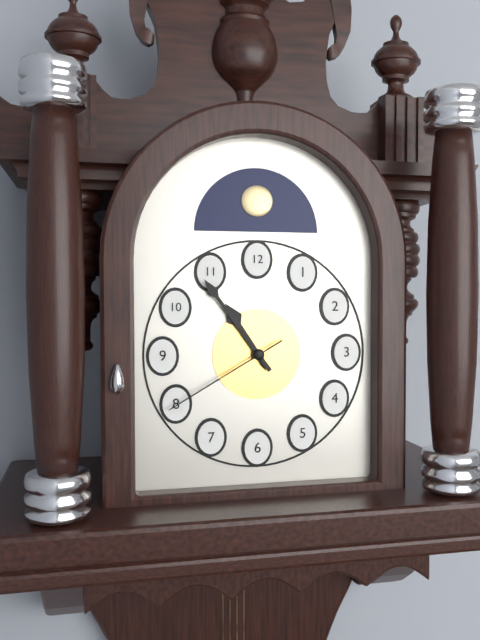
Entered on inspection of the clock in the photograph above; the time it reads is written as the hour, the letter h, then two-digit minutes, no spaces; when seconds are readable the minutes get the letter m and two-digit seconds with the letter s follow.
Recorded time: 10h54m40s
